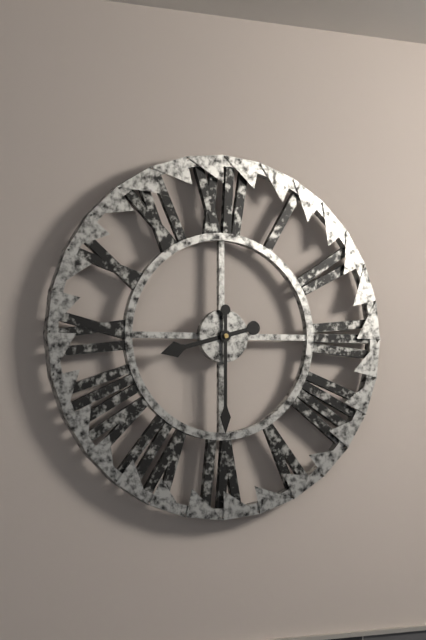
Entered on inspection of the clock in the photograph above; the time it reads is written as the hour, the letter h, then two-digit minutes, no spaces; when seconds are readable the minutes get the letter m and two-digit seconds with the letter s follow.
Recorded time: 8h30
